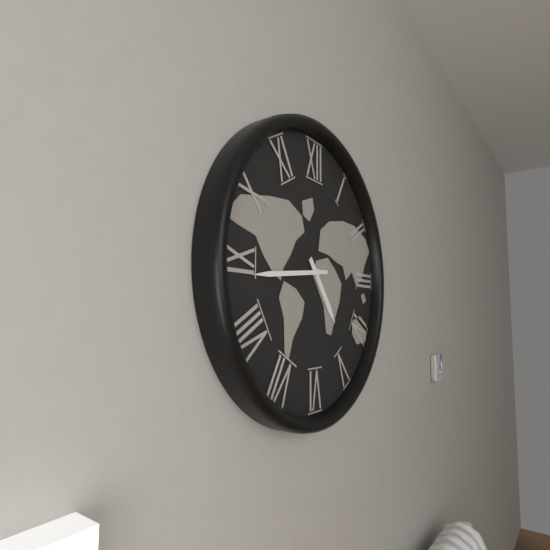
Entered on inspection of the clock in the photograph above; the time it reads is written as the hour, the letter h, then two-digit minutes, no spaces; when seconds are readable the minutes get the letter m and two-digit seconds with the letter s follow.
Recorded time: 4h44
